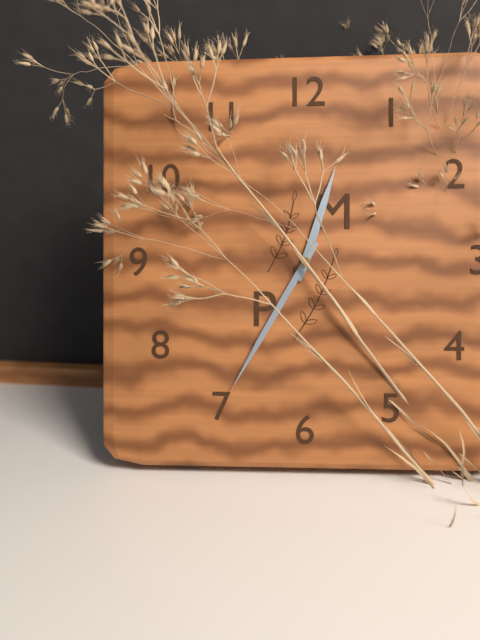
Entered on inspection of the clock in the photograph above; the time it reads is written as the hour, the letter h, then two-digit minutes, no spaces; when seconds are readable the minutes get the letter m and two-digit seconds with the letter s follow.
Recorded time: 12h35
